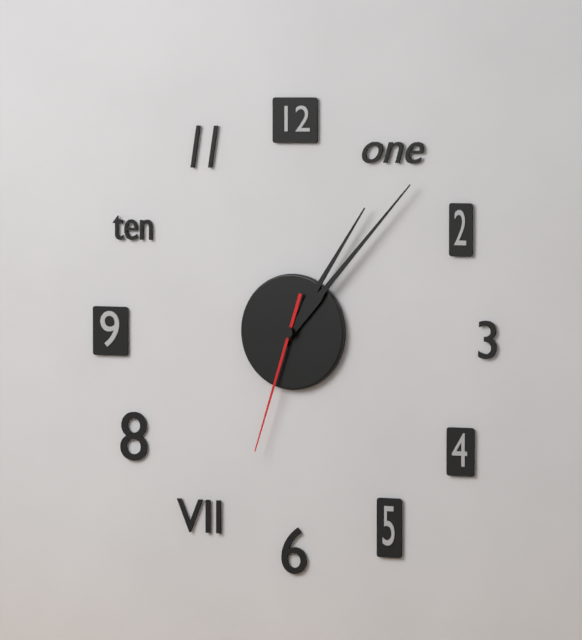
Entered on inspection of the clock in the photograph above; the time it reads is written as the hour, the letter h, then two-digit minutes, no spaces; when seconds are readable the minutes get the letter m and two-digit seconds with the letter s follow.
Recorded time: 1h07m33s
